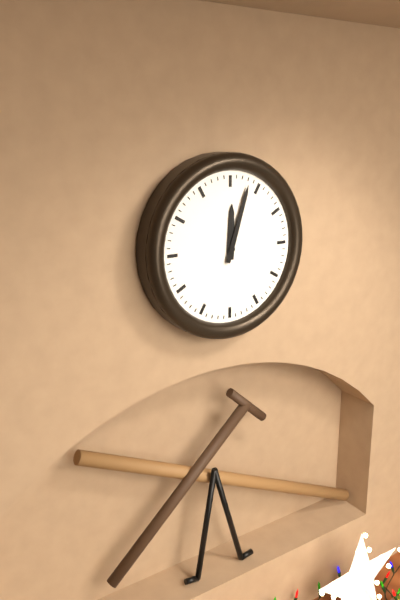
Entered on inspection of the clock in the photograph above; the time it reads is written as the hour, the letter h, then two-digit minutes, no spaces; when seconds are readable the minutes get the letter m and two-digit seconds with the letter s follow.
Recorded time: 12h03
